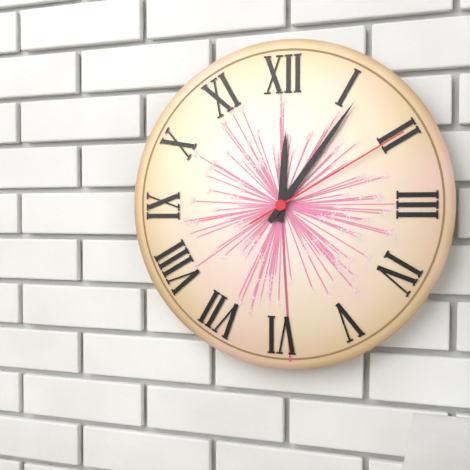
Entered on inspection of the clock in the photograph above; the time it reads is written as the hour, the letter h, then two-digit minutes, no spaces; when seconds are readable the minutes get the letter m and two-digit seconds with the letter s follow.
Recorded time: 12h06m10s
